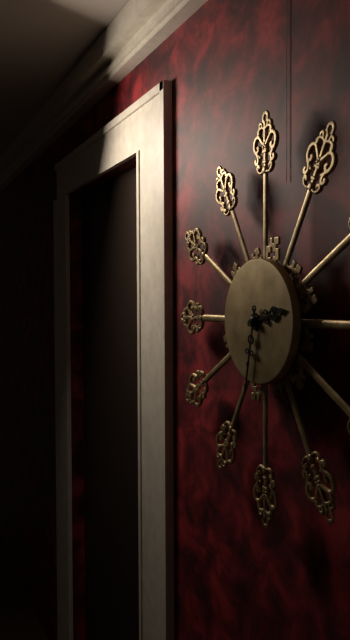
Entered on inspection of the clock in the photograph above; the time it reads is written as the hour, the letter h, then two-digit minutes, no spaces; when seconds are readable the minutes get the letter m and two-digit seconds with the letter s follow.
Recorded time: 2h32
